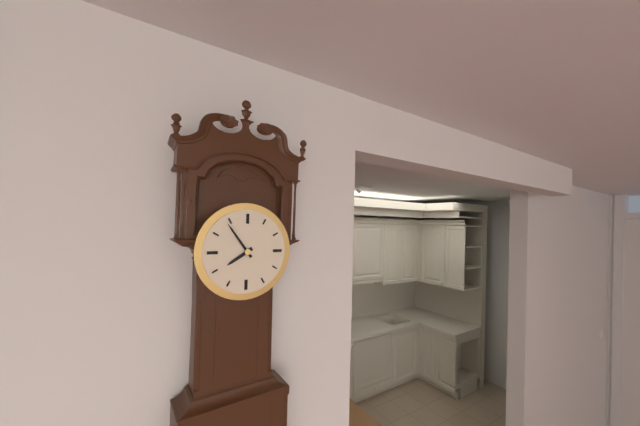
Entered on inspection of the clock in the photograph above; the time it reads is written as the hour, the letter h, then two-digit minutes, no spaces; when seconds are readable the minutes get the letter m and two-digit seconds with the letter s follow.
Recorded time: 7h54
